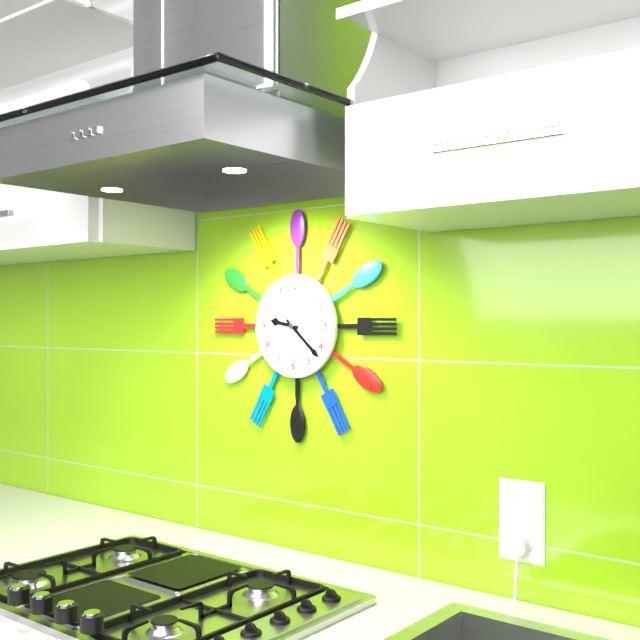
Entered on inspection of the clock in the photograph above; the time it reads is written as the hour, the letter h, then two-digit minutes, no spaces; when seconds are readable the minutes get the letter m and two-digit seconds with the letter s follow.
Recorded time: 9h22
